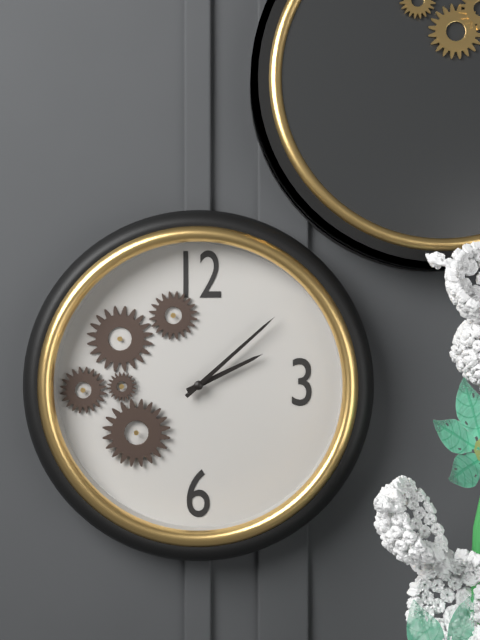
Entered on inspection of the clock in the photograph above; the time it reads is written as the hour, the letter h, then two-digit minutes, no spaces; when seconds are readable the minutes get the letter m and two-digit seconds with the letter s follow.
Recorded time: 2h08
